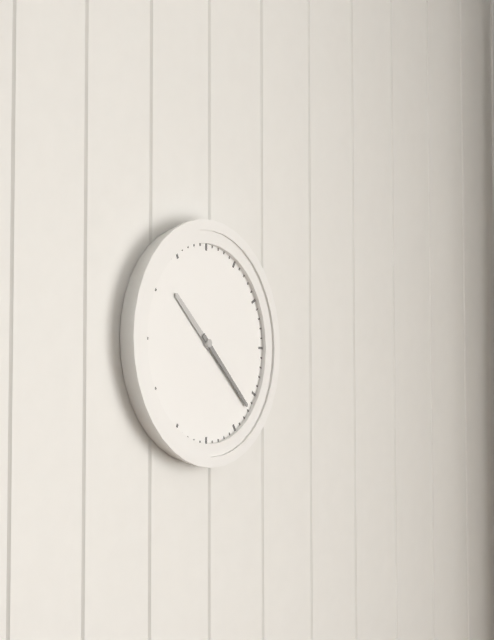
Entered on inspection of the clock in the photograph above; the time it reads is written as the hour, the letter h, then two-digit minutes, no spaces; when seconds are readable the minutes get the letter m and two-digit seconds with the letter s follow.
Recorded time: 10h22
